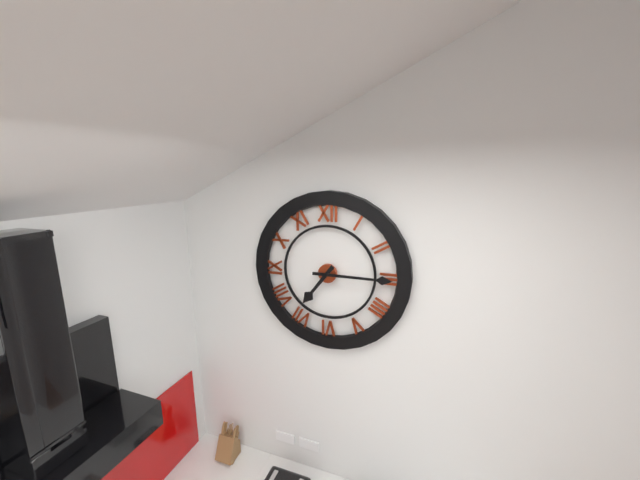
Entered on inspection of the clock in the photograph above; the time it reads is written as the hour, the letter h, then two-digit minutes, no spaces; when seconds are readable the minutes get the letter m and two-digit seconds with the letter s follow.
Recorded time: 7h15
